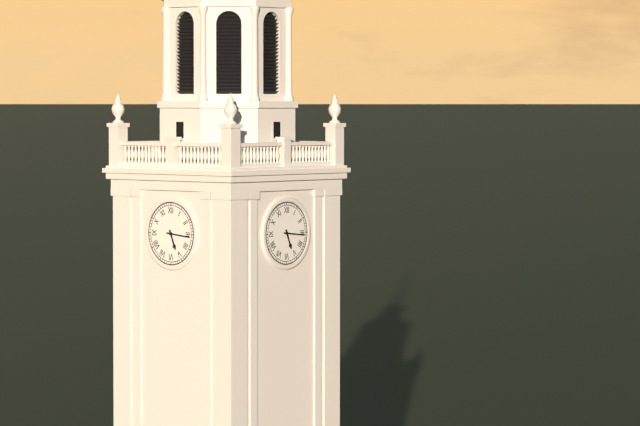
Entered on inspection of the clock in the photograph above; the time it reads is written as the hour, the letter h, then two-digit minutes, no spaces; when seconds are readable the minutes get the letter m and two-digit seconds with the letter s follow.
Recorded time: 5h16
